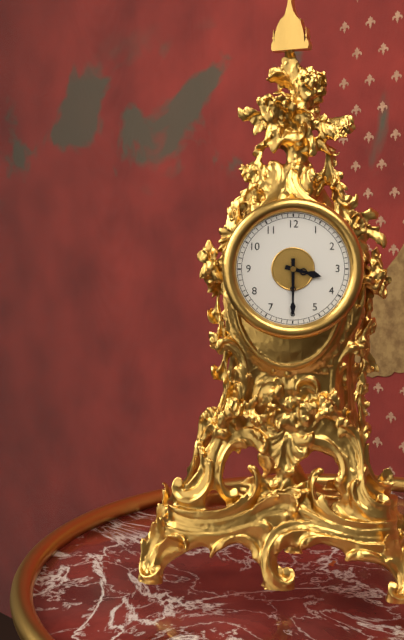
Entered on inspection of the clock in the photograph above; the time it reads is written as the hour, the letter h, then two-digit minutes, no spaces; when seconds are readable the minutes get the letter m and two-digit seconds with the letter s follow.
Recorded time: 3h30
